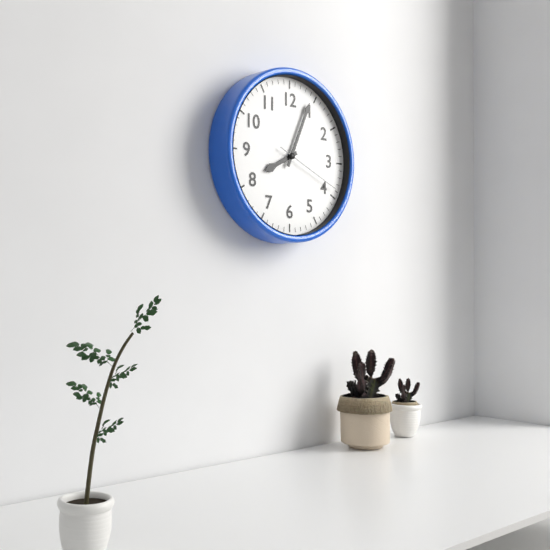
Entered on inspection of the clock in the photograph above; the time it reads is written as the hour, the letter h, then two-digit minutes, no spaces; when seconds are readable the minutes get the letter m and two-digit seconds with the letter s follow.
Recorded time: 8h04m19s
